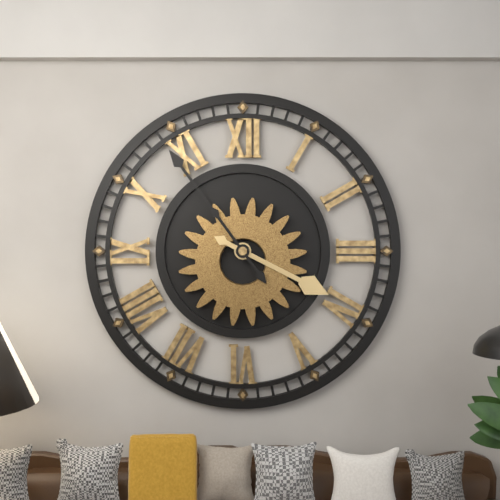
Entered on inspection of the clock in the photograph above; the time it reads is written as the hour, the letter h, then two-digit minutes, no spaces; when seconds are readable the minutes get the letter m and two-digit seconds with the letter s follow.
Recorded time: 3h54
